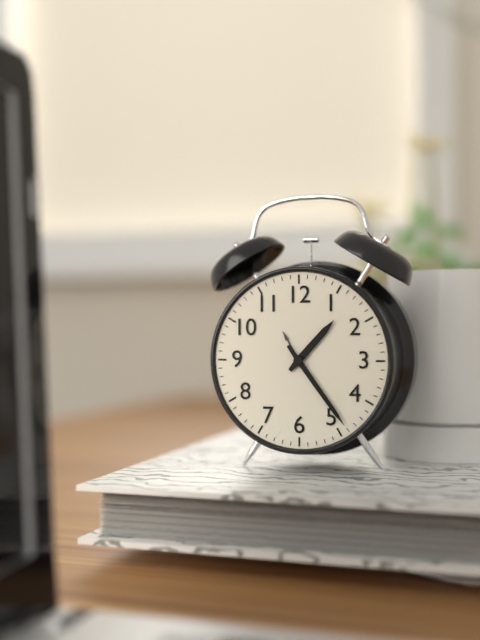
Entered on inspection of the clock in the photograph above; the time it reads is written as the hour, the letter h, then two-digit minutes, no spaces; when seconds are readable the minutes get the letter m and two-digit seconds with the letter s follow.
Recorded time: 1h24
